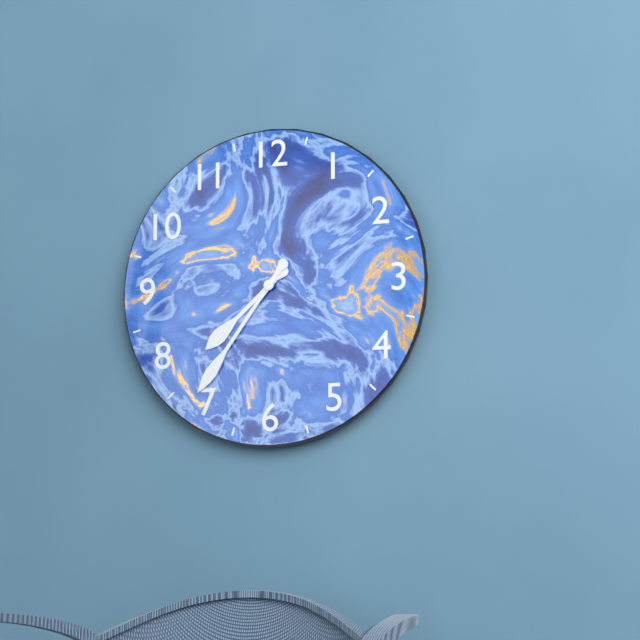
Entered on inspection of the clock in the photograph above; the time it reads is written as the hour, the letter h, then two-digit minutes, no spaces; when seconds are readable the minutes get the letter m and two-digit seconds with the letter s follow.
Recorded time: 7h36
